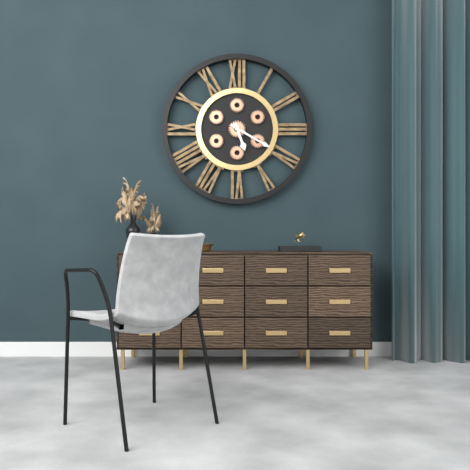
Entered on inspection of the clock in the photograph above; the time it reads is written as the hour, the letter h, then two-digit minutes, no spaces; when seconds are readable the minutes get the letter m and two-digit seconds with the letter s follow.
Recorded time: 5h20
